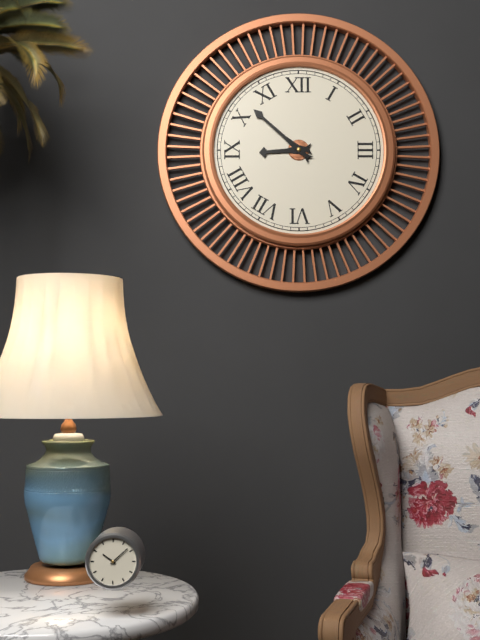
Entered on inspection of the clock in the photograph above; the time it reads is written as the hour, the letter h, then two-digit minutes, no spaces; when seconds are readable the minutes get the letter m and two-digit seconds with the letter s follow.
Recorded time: 8h52
